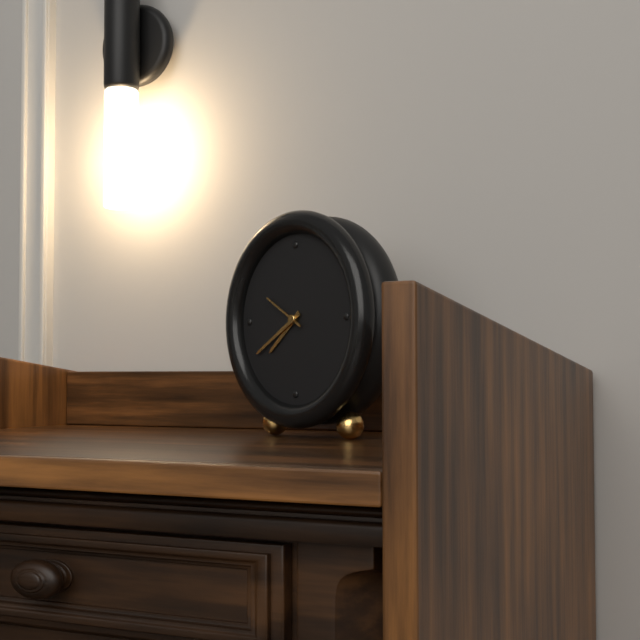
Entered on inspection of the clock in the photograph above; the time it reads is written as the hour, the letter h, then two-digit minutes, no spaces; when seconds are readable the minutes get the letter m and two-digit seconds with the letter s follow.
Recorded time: 7h40
